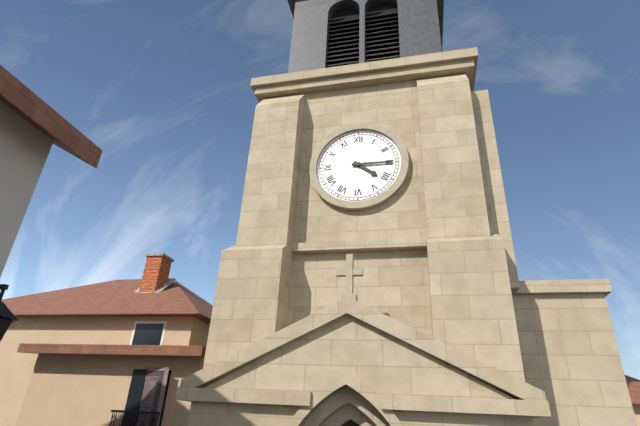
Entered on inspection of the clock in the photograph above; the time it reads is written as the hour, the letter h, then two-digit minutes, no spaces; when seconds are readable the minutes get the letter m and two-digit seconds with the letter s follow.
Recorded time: 4h15
